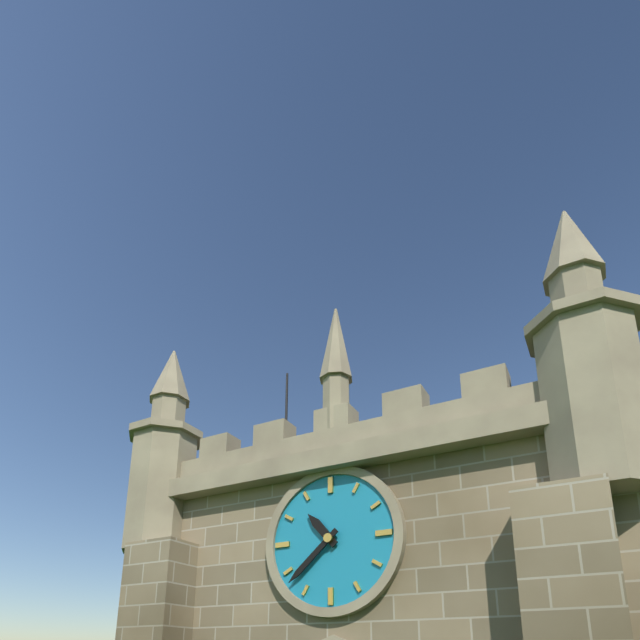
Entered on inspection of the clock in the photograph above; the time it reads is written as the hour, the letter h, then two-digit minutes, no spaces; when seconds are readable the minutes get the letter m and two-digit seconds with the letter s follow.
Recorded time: 10h38
